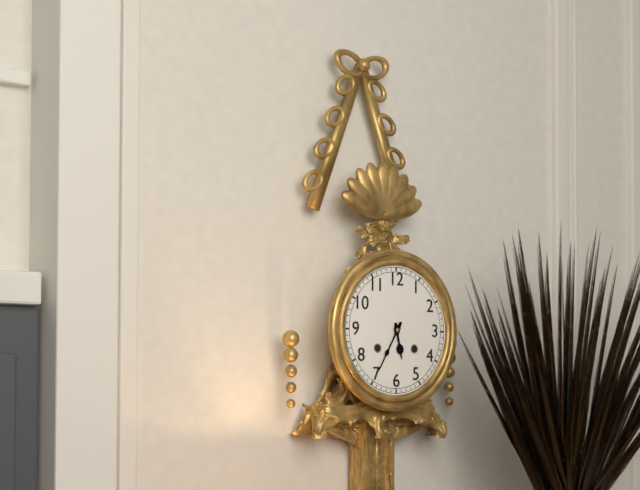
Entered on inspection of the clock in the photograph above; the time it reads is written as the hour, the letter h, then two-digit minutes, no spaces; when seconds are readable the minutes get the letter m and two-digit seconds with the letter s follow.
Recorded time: 5h35
